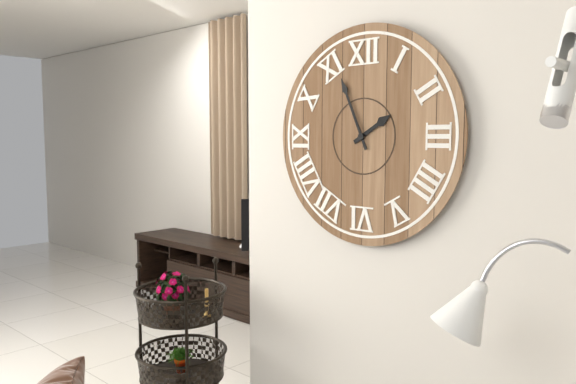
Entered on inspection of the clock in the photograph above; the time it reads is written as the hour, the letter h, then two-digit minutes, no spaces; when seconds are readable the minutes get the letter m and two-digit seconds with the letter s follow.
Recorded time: 1h56
